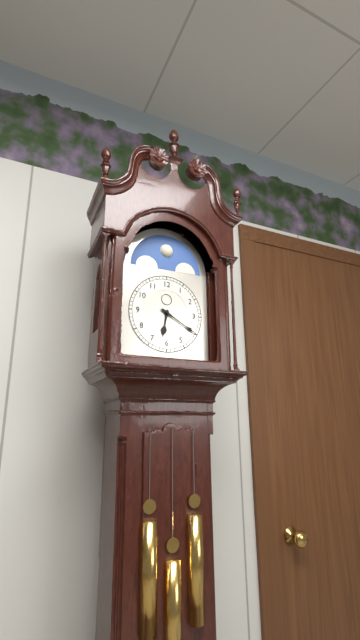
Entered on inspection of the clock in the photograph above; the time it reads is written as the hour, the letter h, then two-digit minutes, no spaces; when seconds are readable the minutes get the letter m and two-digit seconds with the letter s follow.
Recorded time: 6h20
